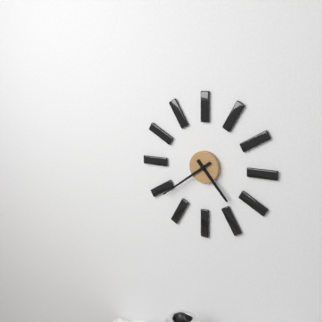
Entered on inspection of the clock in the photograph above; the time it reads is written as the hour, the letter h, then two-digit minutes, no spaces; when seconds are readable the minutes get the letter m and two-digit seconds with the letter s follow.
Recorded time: 4h39
